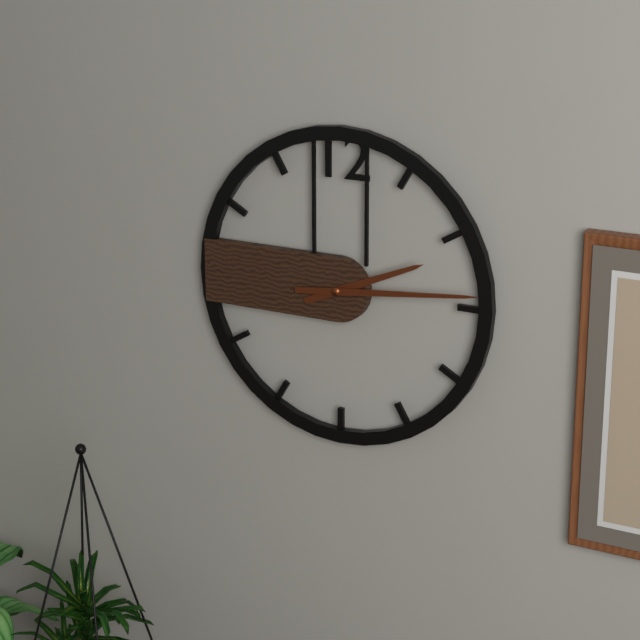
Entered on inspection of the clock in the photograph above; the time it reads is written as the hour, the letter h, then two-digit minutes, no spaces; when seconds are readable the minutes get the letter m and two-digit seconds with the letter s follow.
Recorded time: 2h14
